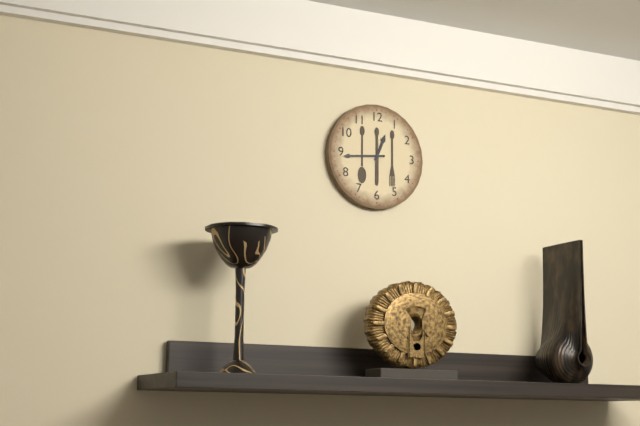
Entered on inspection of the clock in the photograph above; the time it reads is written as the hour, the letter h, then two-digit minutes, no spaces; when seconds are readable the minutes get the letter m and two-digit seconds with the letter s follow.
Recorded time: 12h44
